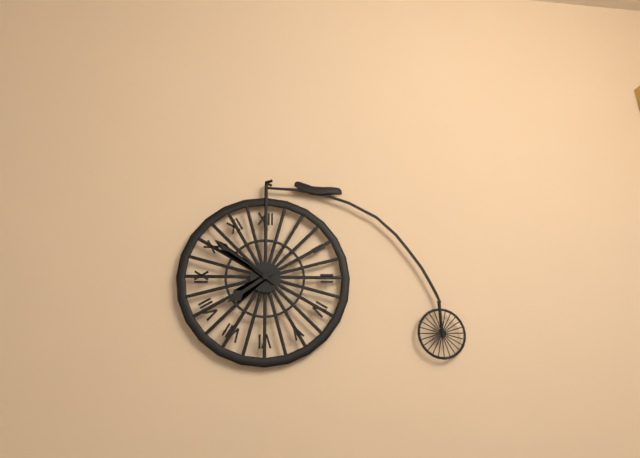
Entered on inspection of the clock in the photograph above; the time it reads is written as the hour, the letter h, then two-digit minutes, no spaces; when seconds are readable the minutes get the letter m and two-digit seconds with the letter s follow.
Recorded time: 7h51
